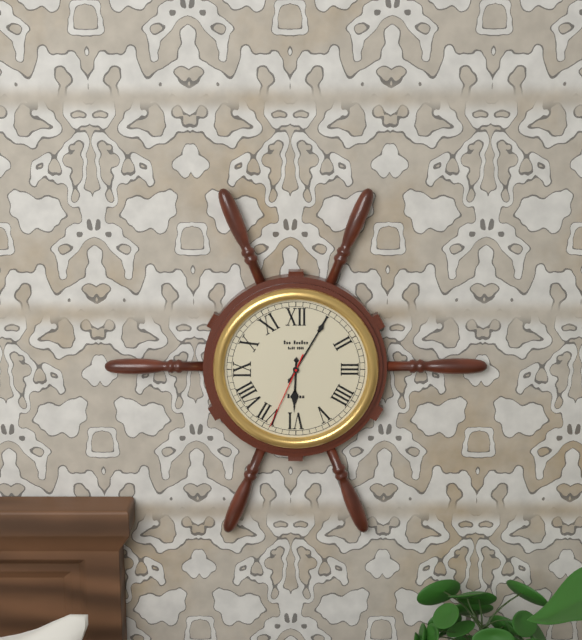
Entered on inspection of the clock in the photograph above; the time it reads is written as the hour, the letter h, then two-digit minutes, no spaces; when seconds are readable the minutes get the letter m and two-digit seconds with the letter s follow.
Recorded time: 6h05m34s
